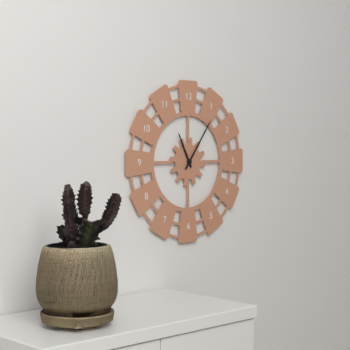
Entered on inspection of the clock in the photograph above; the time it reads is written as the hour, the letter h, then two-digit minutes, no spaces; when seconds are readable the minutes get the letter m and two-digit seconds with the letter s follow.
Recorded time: 11h06
